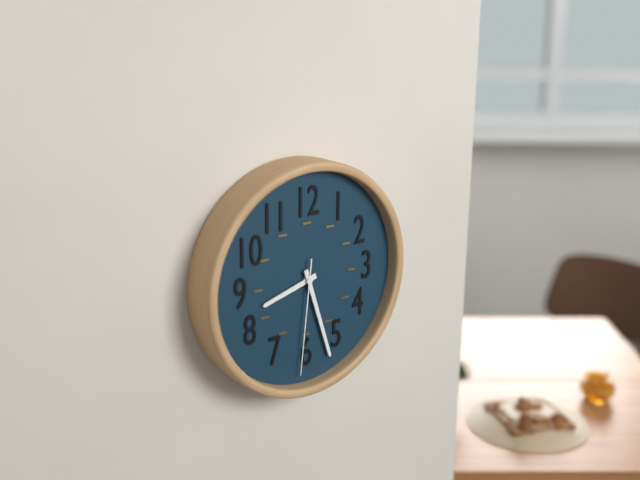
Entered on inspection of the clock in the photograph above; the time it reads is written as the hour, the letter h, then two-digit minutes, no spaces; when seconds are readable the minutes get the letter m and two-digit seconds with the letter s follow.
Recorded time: 8h27m31s
